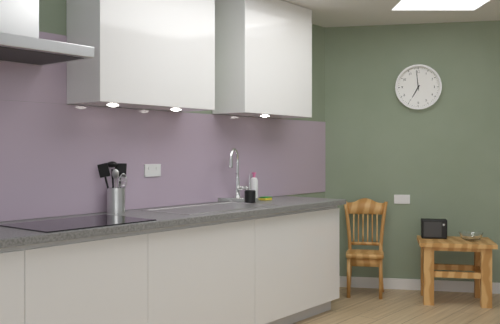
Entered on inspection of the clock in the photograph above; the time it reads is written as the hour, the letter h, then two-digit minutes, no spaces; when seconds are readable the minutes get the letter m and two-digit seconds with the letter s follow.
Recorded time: 6h59
